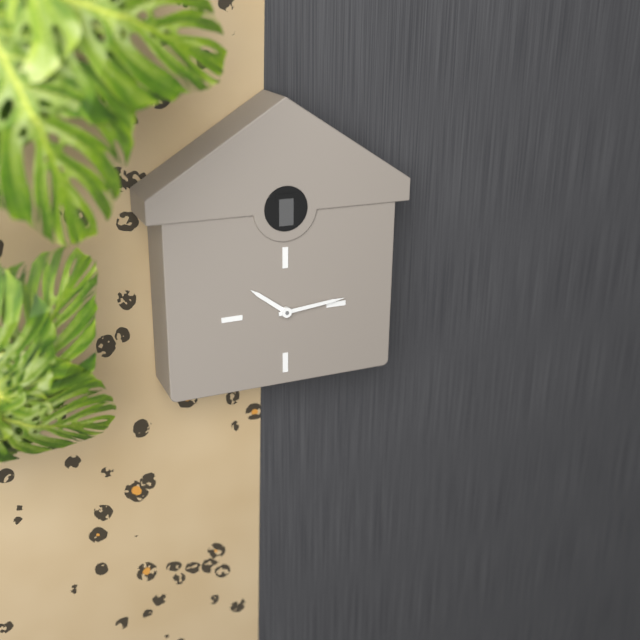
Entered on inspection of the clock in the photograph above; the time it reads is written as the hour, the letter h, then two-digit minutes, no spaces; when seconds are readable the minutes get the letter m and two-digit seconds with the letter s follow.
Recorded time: 10h14
